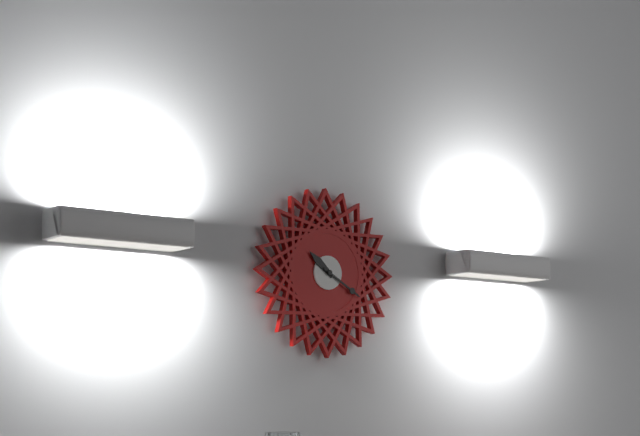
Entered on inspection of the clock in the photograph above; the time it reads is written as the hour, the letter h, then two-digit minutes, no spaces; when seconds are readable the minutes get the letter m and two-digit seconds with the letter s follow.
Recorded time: 10h20
